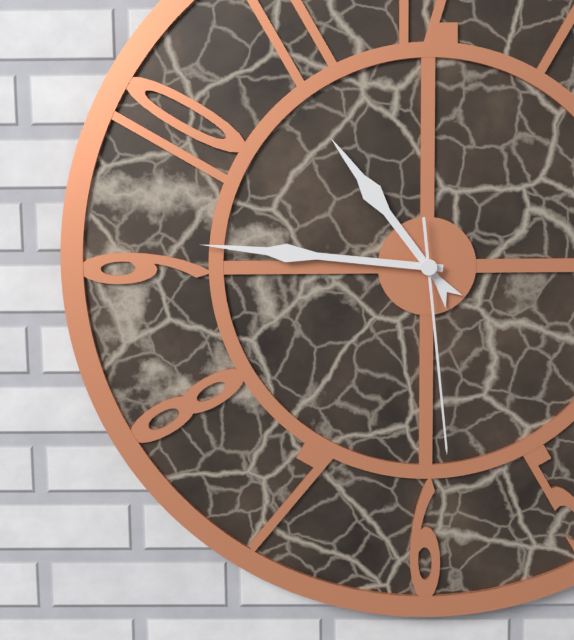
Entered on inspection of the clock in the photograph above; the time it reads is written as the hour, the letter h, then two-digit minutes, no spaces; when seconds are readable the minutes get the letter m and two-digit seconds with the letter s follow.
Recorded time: 10h46m29s
